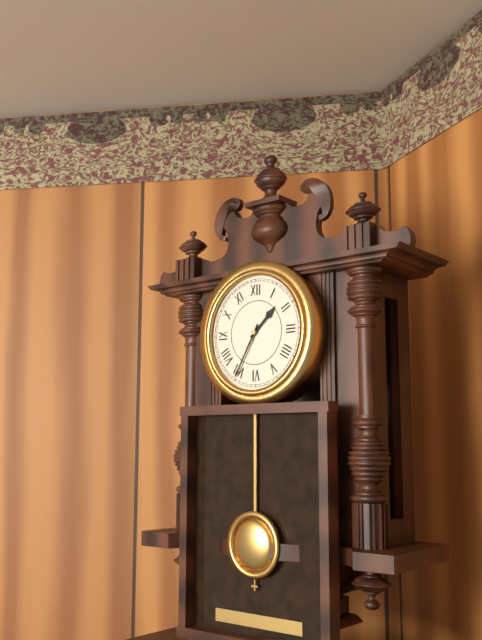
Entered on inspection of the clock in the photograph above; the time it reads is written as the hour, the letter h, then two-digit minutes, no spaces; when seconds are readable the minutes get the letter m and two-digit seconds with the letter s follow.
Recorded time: 1h35
